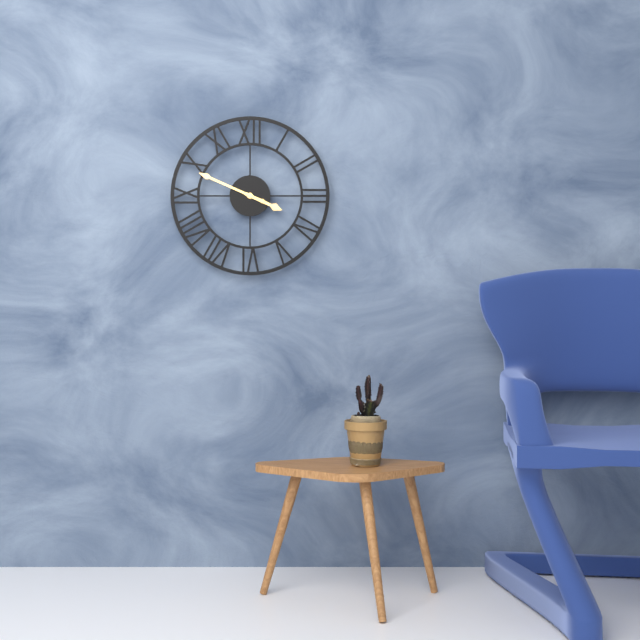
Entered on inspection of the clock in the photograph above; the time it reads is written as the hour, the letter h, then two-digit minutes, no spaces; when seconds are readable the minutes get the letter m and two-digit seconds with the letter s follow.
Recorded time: 3h49
